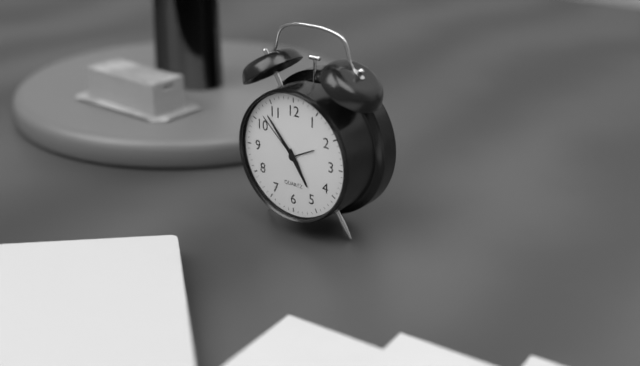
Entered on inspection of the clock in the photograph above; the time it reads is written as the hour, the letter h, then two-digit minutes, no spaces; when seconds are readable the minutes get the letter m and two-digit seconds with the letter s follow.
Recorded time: 4h53m52s
